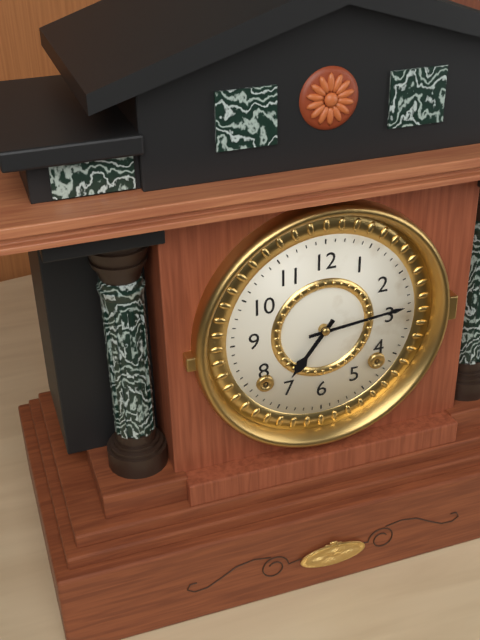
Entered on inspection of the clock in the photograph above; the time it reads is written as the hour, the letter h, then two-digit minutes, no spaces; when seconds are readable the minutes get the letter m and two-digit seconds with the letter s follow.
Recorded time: 7h14
